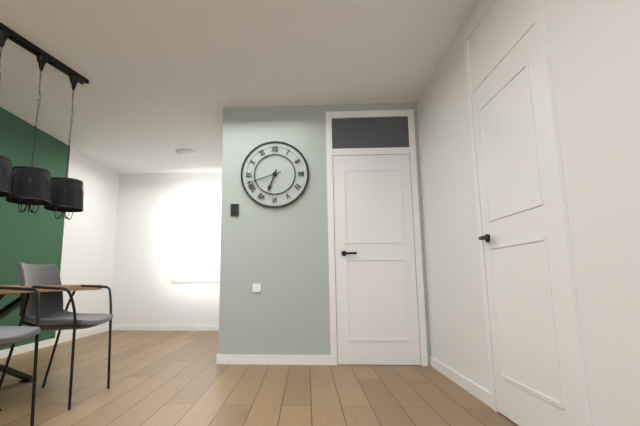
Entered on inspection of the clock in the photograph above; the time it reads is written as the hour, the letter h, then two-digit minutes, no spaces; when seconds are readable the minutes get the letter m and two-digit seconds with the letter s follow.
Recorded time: 6h42
